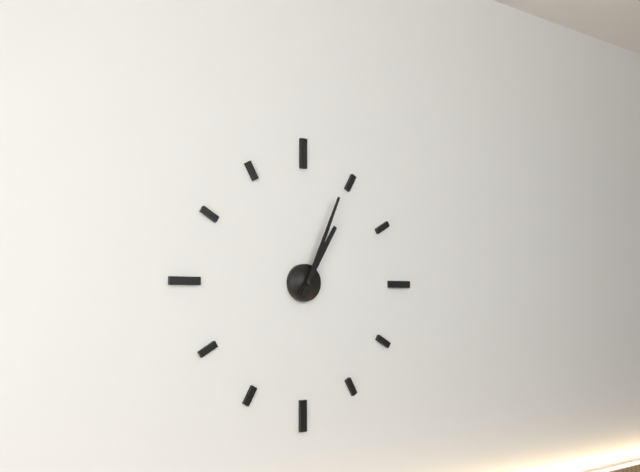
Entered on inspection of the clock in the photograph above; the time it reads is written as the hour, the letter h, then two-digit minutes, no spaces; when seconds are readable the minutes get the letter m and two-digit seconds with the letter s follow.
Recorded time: 1h04
